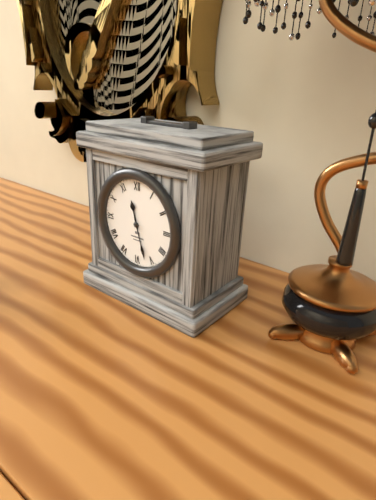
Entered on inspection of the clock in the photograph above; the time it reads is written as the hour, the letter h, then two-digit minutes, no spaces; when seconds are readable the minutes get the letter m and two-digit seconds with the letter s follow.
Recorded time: 11h27
